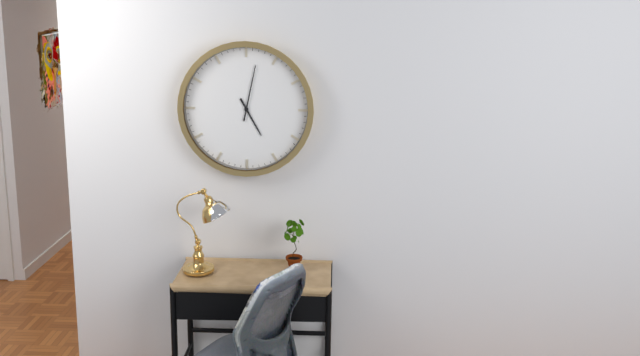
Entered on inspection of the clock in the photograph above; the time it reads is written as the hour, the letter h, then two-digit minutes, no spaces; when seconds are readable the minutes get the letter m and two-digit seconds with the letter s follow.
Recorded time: 5h02
